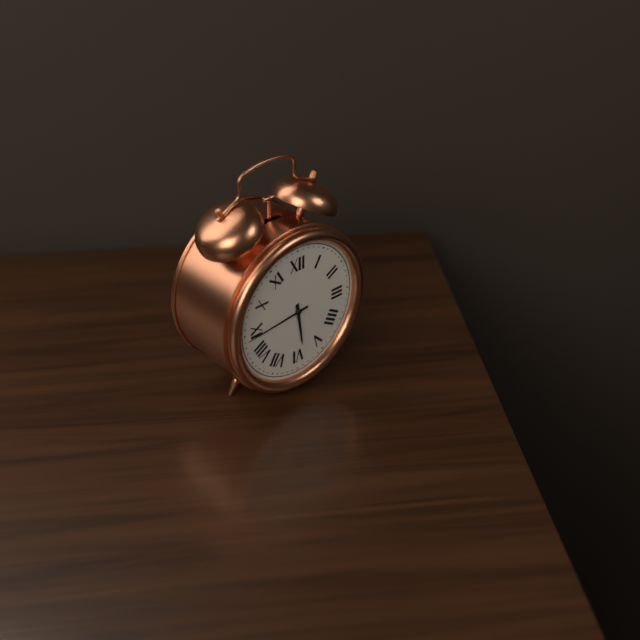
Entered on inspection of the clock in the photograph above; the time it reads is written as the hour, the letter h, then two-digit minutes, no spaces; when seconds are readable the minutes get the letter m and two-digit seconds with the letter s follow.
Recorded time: 5h44
